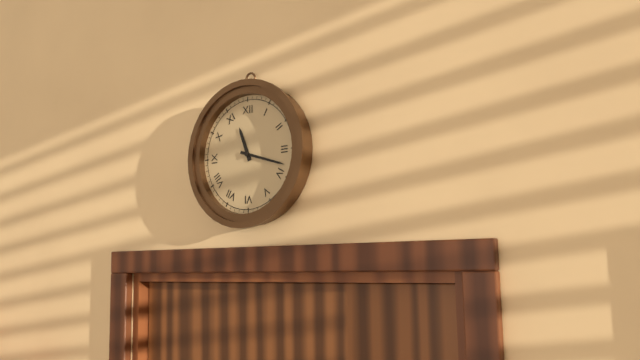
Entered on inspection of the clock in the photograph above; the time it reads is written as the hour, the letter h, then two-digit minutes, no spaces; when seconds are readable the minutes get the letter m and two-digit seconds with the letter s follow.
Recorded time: 11h18
